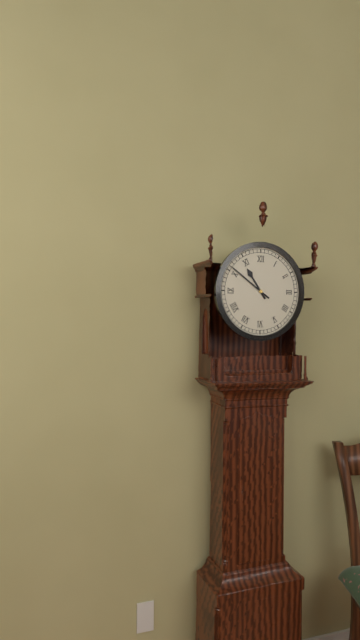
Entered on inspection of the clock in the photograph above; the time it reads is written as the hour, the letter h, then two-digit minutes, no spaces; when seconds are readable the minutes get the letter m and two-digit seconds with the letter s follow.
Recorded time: 10h51
